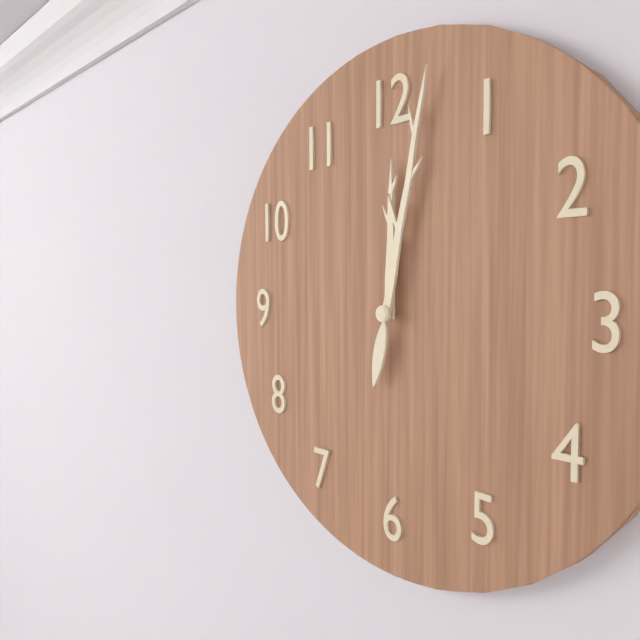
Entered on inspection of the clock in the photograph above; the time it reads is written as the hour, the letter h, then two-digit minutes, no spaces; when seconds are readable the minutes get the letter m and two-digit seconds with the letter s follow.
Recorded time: 12h02
